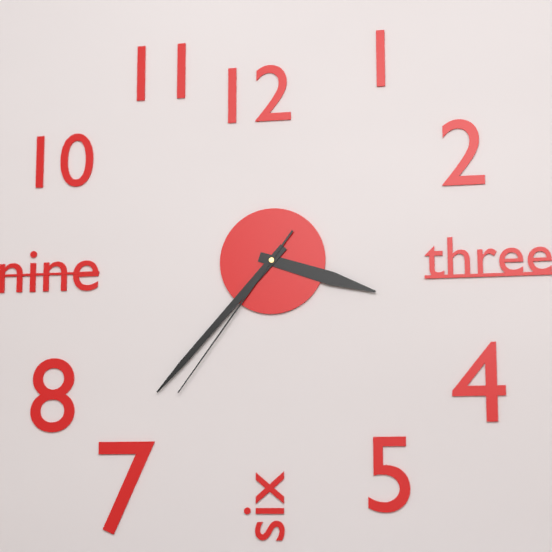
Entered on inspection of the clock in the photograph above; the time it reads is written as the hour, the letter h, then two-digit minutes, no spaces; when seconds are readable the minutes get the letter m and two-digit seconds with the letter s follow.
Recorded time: 3h37m36s
